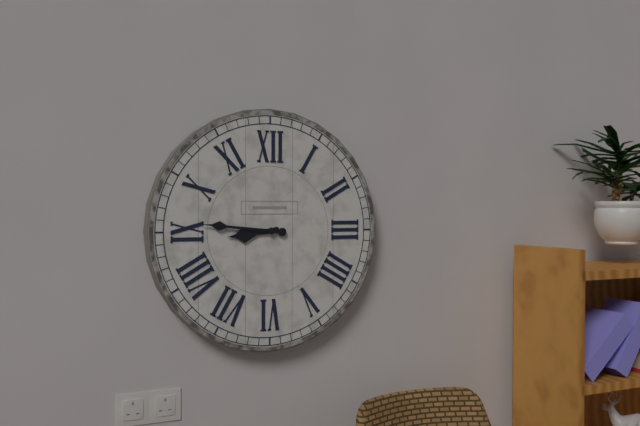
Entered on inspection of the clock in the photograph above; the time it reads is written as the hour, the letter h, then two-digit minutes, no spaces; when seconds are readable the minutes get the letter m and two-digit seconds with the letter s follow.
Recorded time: 8h46
